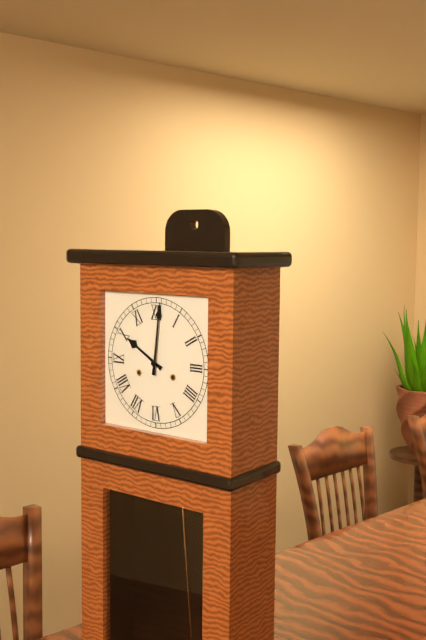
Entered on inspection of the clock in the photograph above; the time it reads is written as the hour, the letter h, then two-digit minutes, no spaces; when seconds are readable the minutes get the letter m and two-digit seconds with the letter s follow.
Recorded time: 10h01
